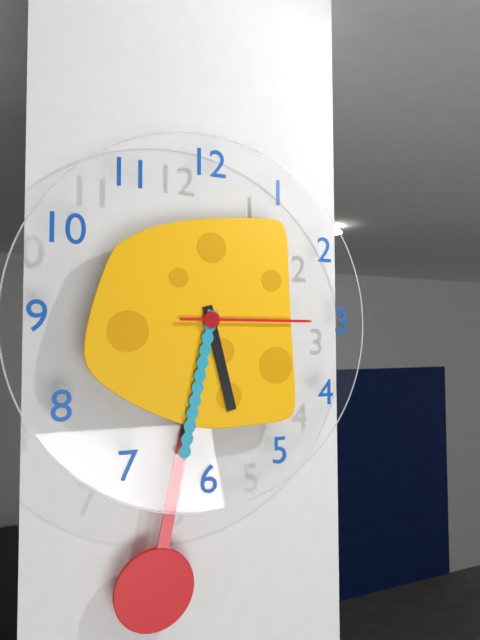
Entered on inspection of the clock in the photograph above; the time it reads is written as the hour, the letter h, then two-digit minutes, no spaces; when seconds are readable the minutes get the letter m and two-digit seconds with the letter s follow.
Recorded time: 5h32m15s
